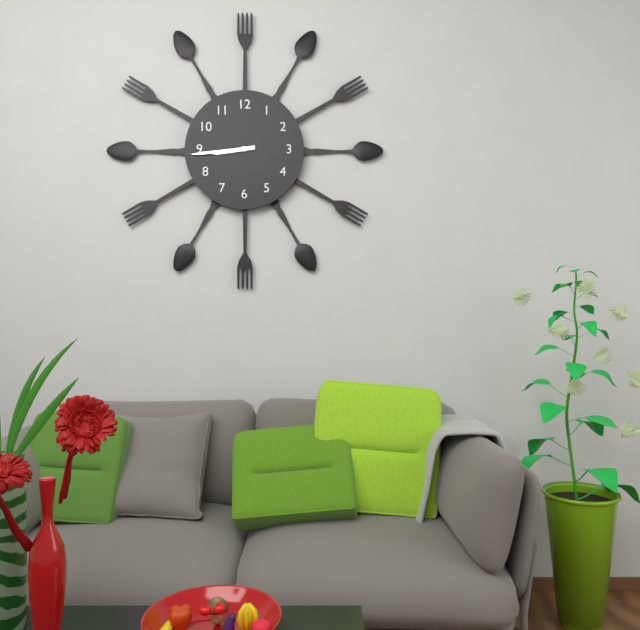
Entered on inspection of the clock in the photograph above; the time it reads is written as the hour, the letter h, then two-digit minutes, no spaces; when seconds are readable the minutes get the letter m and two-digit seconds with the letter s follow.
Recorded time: 8h44
